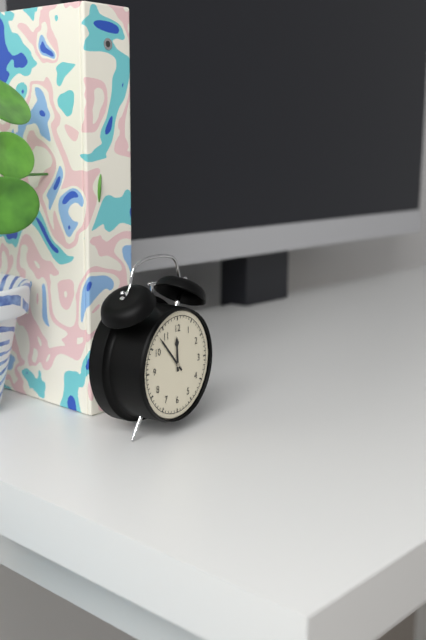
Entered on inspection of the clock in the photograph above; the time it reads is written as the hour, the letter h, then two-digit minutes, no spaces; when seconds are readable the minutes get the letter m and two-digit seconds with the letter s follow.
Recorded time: 11h53
